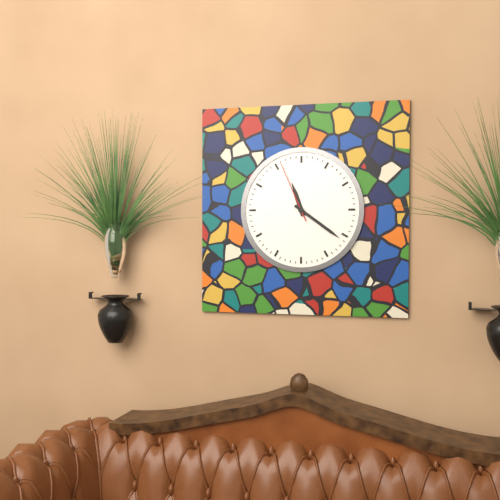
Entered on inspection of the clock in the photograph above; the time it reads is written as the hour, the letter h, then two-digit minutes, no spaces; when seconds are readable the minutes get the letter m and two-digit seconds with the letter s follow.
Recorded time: 11h21m56s
